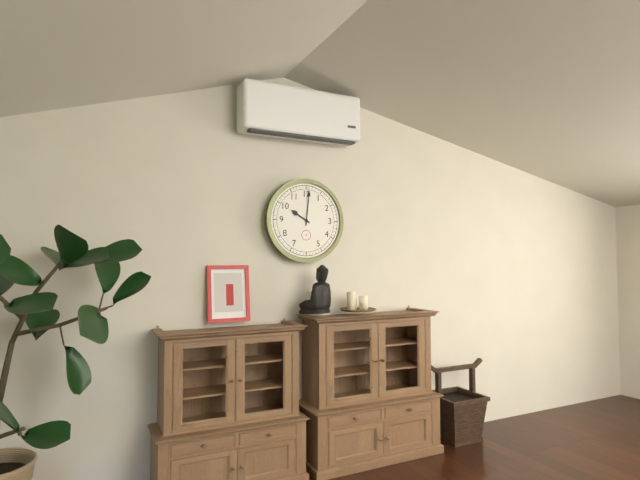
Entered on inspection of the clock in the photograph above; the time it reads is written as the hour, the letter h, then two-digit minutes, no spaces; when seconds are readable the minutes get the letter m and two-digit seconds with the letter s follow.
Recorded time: 10h01
